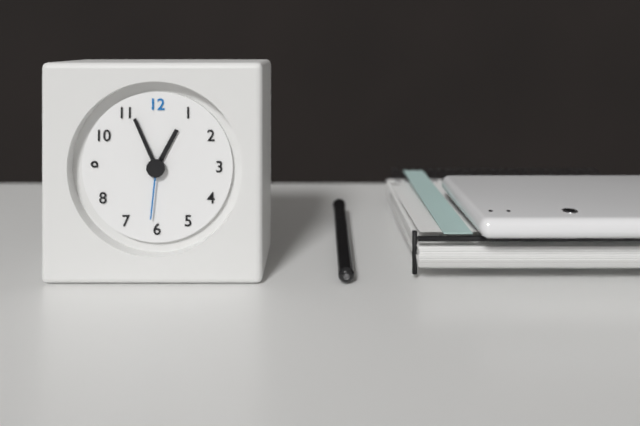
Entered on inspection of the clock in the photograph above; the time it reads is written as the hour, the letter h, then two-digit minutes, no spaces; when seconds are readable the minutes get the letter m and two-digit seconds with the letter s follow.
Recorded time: 12h56m31s
